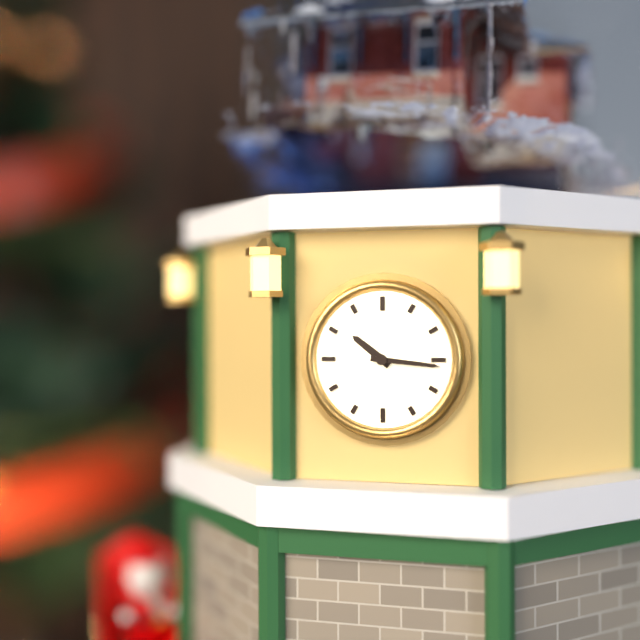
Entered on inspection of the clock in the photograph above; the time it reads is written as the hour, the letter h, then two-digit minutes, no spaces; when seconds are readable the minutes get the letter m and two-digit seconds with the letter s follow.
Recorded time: 10h16
